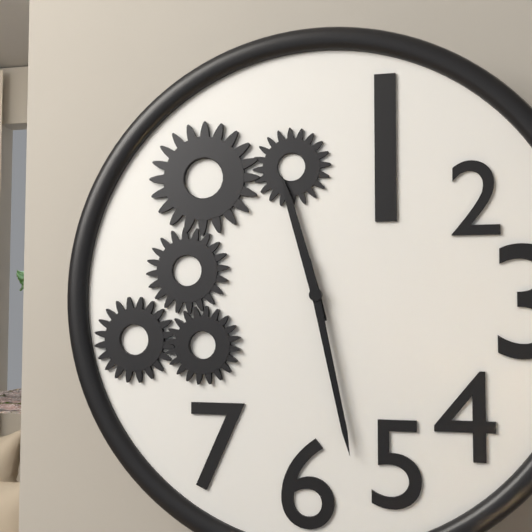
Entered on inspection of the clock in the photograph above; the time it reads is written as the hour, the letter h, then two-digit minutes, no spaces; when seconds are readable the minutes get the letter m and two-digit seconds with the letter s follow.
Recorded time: 11h28
